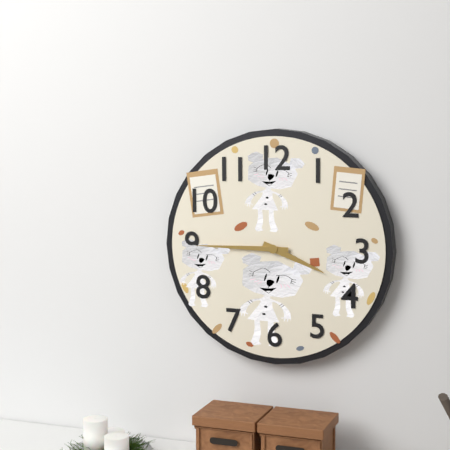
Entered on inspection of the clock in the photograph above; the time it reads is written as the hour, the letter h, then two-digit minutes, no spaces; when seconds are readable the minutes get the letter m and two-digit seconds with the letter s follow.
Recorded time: 3h45
